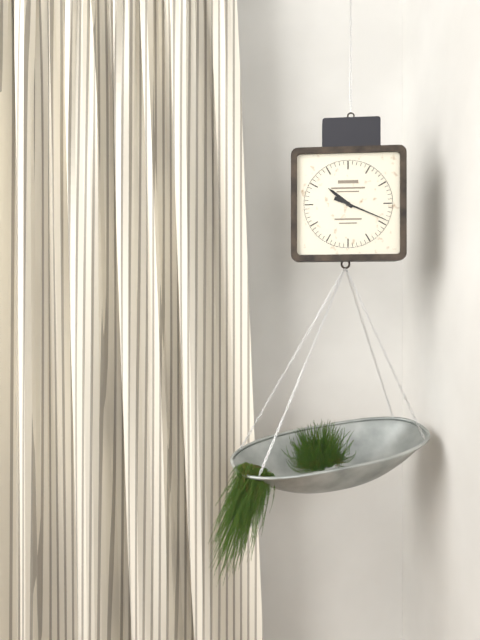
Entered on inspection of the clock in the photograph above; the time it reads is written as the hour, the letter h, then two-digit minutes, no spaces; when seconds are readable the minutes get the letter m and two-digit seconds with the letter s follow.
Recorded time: 10h19
